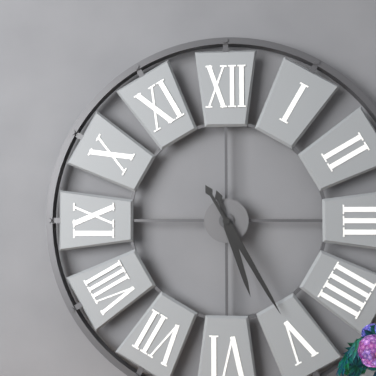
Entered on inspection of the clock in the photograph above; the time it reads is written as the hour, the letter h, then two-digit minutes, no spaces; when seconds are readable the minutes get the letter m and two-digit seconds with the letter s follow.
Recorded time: 5h25
